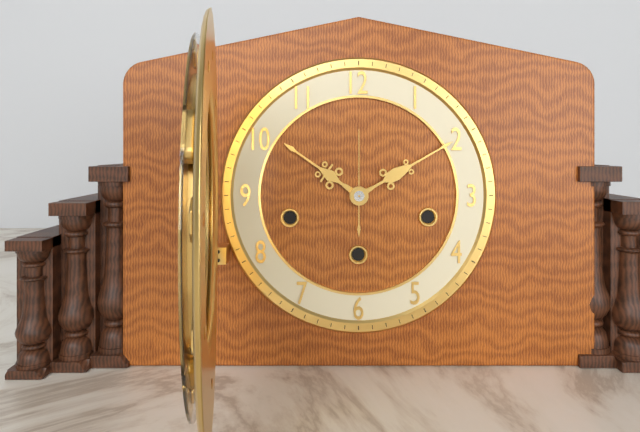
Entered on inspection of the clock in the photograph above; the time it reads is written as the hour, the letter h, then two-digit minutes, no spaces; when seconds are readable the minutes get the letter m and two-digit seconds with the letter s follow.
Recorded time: 10h10m00s
